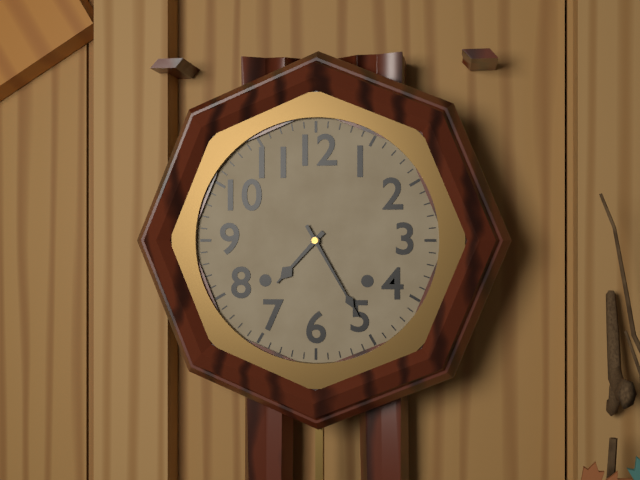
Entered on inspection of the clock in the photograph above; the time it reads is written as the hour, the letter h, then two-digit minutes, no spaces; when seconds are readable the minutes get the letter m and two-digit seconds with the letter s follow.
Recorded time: 7h25
